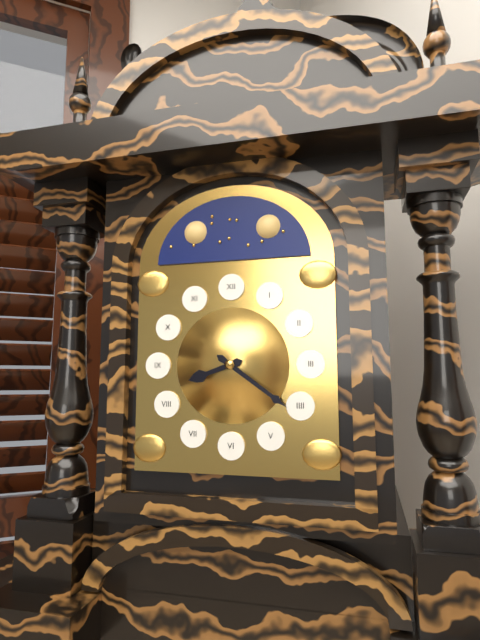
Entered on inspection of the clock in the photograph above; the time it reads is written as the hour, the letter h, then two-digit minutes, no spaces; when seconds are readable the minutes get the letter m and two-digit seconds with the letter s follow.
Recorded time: 8h21
